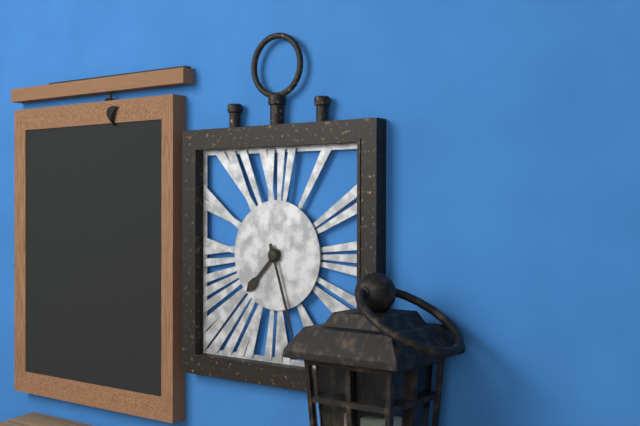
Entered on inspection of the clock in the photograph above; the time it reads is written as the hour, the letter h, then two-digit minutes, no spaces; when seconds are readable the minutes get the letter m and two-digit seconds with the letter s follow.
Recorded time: 7h27
